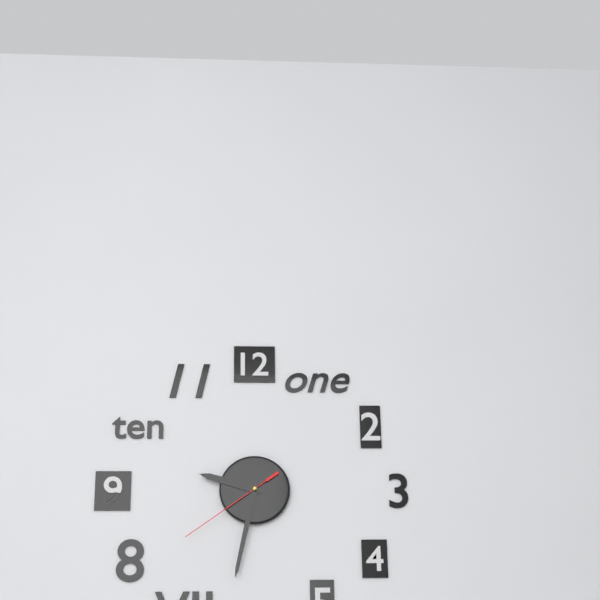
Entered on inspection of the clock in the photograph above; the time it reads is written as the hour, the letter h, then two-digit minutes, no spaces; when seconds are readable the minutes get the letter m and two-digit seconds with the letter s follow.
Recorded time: 9h32m39s
